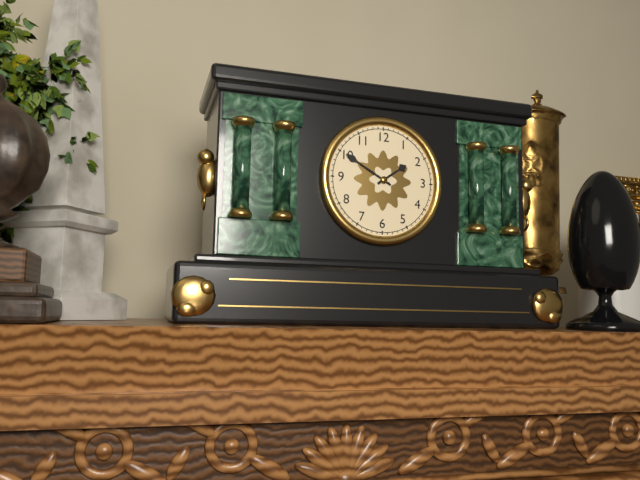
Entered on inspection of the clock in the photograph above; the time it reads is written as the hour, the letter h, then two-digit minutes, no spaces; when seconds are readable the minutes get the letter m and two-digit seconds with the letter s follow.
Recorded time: 1h50
